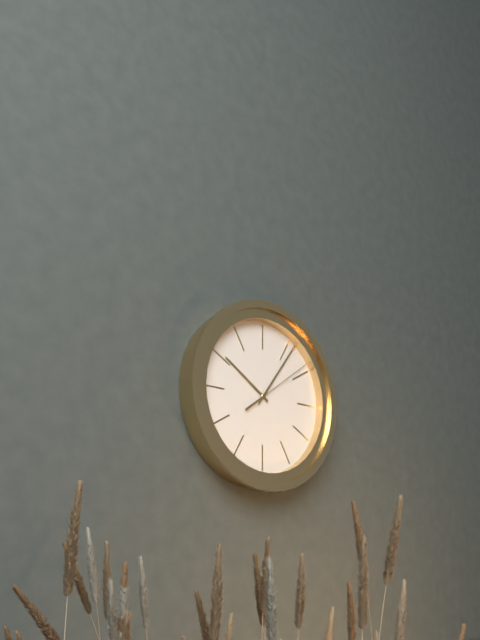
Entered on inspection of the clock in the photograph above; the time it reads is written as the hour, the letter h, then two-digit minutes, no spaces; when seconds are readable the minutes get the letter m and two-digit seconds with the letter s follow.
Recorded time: 10h06m09s
